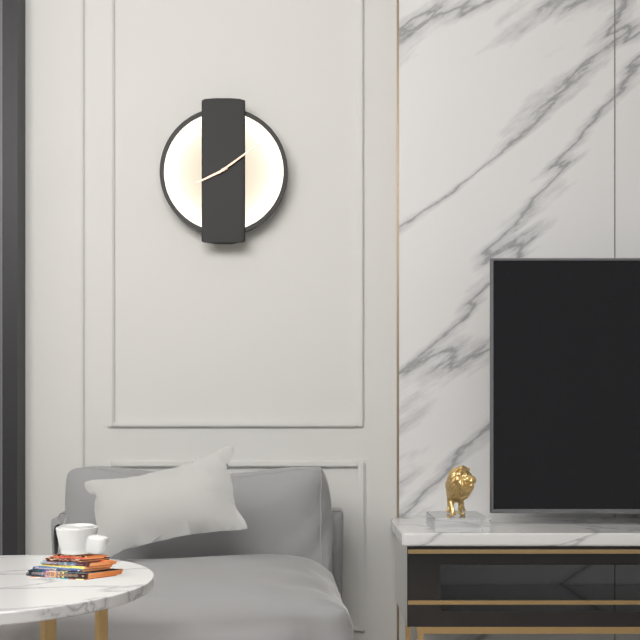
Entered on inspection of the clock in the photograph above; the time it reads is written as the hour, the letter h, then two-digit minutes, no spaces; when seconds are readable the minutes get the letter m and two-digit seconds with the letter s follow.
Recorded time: 8h09
